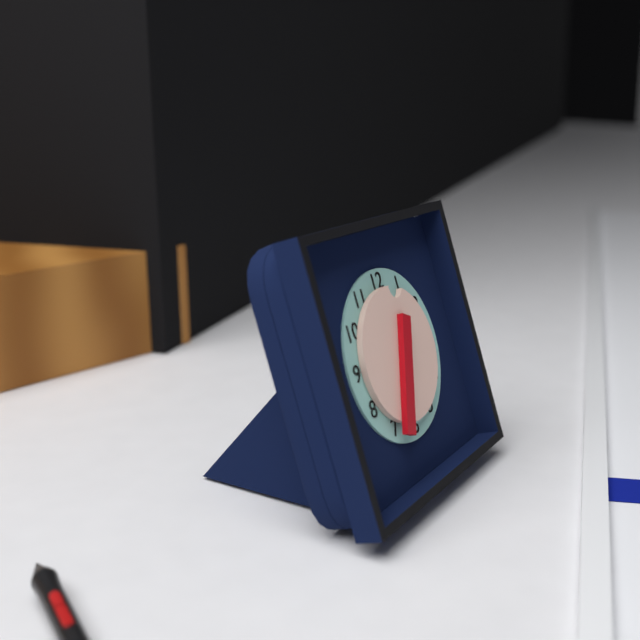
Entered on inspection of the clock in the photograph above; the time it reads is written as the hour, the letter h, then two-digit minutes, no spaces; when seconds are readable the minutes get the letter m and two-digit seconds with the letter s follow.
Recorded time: 12h34
